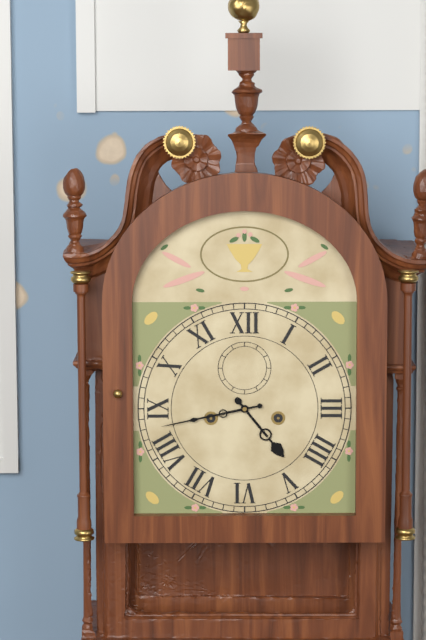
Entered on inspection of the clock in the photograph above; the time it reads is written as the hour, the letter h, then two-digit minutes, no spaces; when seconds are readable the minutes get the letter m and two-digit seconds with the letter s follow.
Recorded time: 4h43
